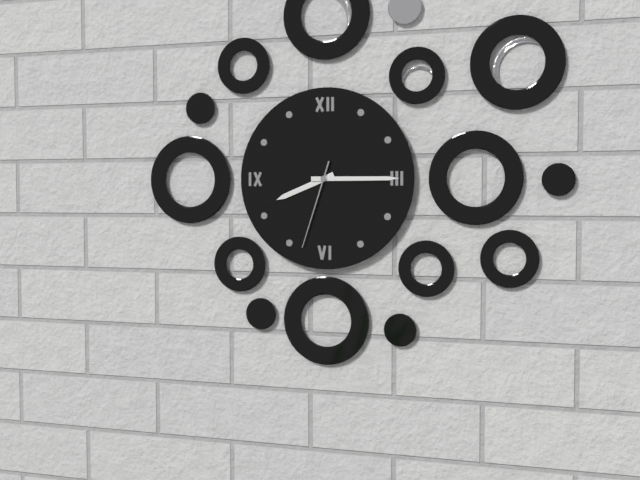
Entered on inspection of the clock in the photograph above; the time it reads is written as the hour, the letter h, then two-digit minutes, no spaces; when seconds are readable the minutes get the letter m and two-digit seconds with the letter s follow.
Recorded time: 8h15m33s
